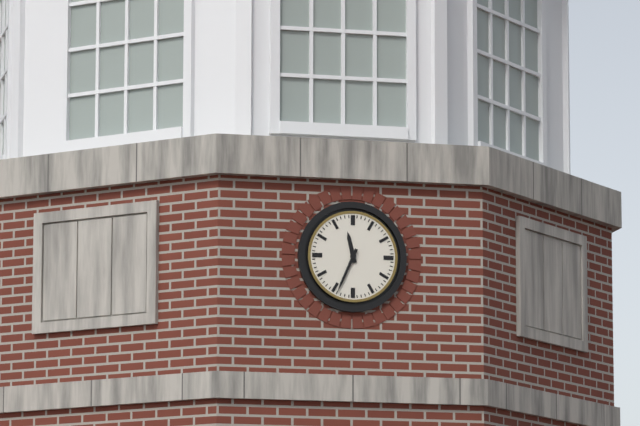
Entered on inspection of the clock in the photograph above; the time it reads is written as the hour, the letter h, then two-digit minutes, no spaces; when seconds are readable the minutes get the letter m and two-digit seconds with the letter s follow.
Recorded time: 11h34
